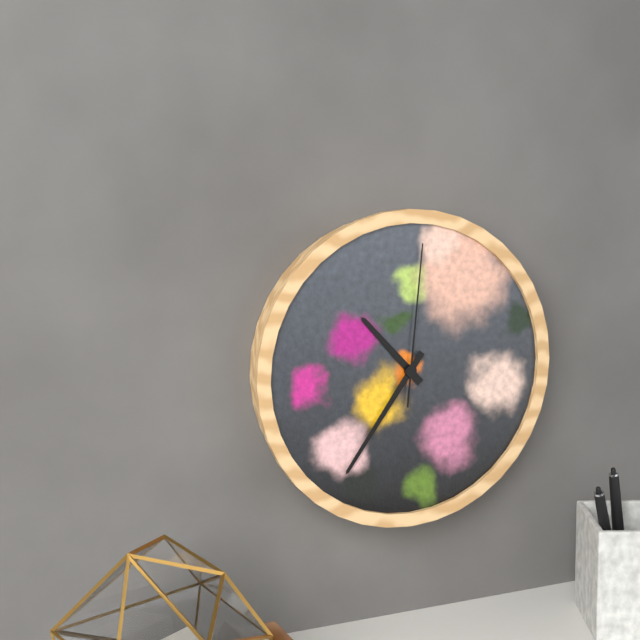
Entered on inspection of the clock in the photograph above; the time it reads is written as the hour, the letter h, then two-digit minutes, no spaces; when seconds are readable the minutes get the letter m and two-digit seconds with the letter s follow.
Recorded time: 10h36m01s
